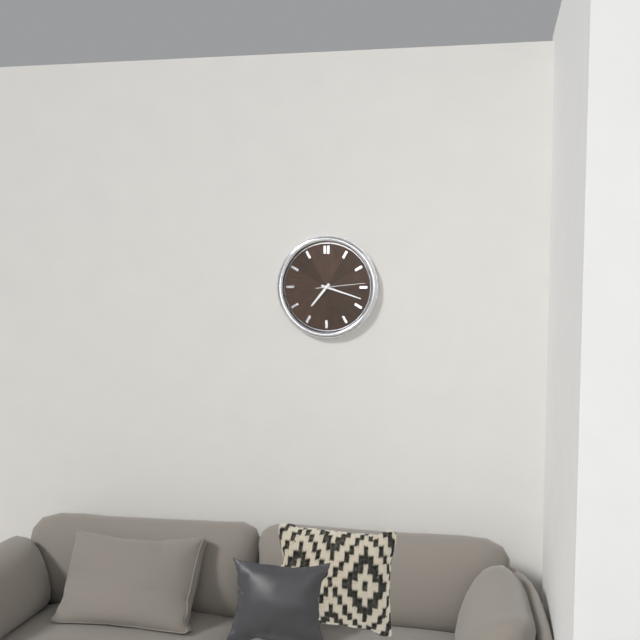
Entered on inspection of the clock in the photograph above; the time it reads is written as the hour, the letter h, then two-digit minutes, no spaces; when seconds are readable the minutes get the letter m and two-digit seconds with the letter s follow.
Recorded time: 7h18
